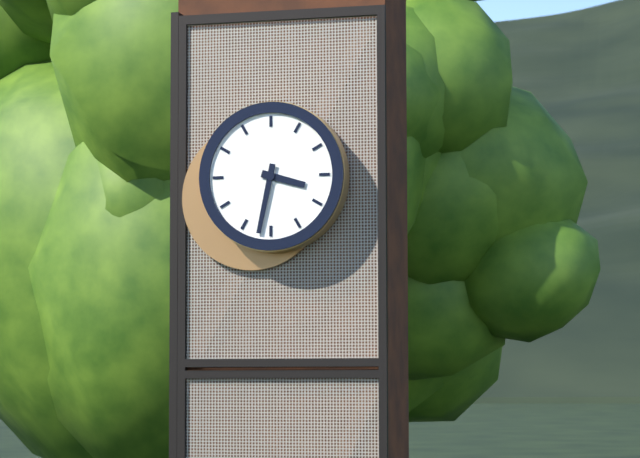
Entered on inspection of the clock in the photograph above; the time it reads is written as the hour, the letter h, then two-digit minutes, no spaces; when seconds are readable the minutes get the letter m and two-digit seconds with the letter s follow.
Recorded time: 3h32
